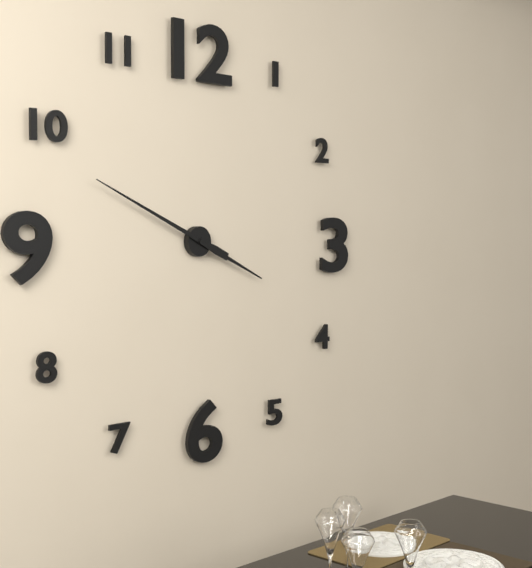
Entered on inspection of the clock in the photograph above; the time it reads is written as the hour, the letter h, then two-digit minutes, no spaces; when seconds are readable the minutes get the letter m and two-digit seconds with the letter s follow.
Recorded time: 3h49
